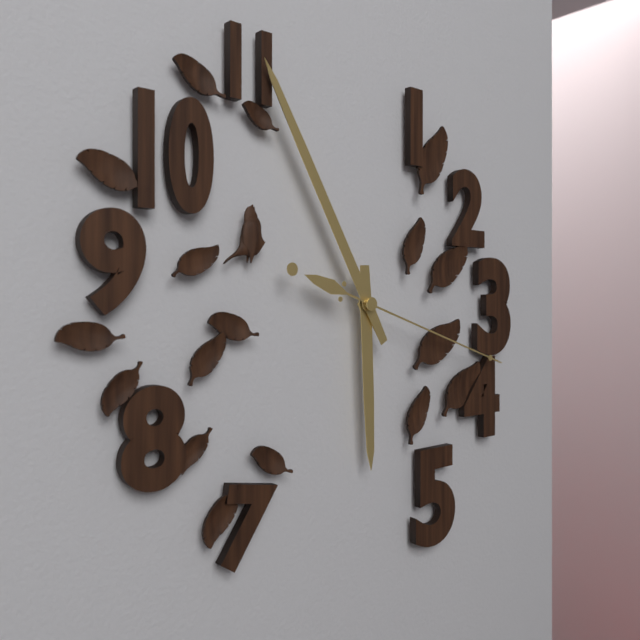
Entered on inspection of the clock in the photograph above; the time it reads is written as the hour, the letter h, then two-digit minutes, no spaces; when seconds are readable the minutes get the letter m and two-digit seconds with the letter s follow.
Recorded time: 5h55m18s
